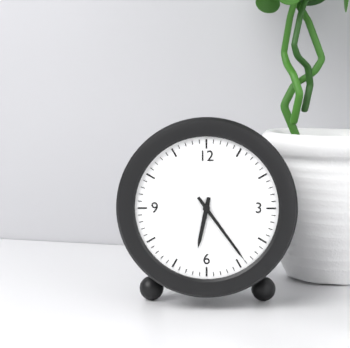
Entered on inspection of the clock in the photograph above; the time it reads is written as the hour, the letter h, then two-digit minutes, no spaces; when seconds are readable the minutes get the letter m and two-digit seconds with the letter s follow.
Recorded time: 6h24
